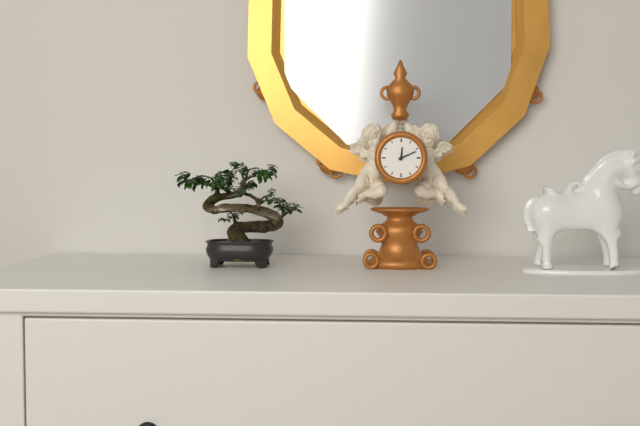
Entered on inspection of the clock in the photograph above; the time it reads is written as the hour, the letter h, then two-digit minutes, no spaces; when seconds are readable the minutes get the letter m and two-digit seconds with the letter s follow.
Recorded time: 12h11
